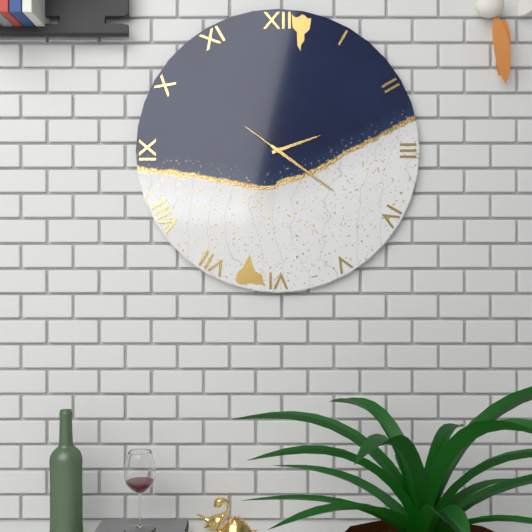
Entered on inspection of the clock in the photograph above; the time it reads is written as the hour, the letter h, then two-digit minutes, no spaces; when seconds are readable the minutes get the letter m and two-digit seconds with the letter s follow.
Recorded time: 2h21m51s
